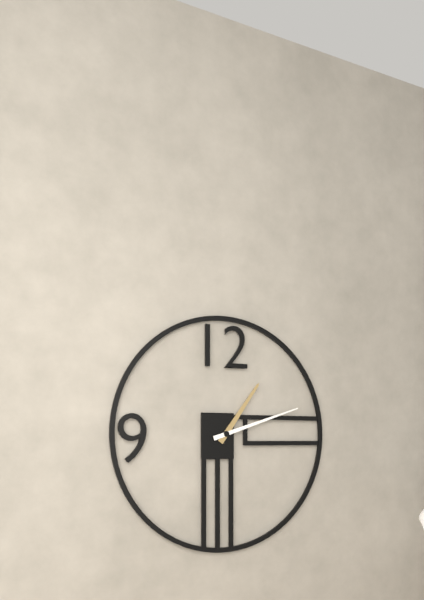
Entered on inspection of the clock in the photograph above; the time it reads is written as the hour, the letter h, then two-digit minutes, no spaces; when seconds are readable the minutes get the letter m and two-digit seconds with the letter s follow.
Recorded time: 1h12
